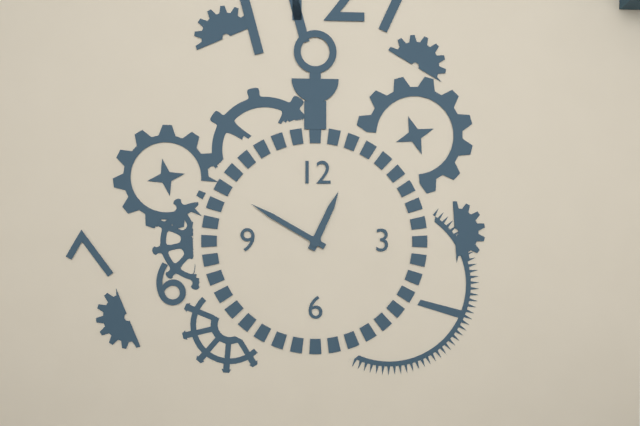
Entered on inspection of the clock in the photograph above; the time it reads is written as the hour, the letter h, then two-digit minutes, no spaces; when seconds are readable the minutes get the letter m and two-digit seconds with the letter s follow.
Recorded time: 12h50
